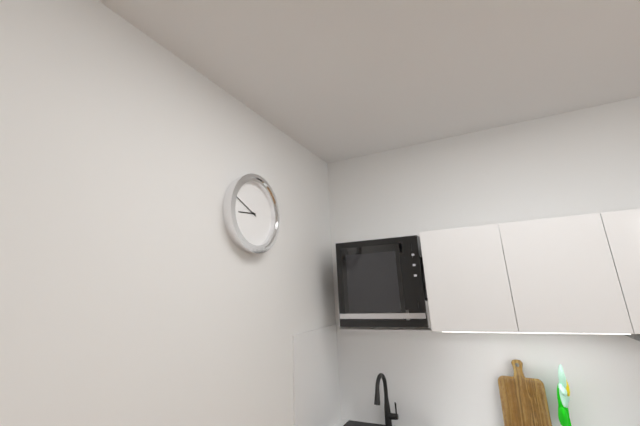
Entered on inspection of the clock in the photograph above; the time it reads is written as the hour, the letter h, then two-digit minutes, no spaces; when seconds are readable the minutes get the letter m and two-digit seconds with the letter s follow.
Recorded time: 8h49
